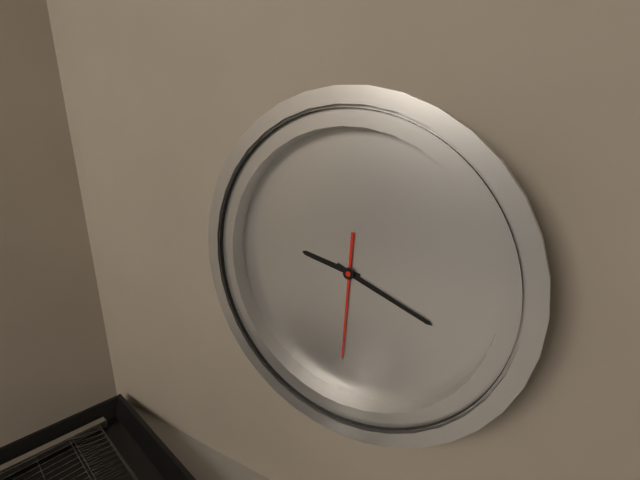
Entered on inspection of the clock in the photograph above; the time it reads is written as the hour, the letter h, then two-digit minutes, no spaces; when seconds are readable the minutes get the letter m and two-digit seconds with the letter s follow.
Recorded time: 9h18m30s
